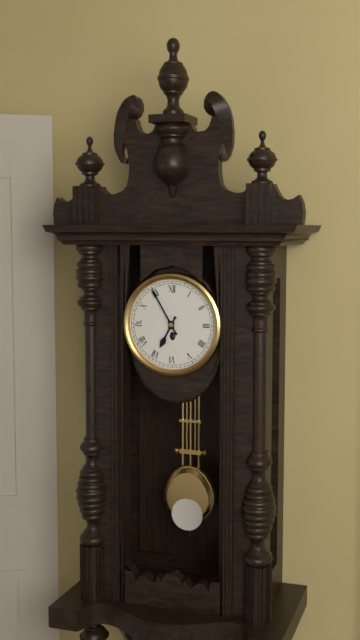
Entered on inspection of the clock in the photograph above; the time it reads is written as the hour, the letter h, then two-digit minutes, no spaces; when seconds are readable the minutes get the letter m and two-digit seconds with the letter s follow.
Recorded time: 6h55
